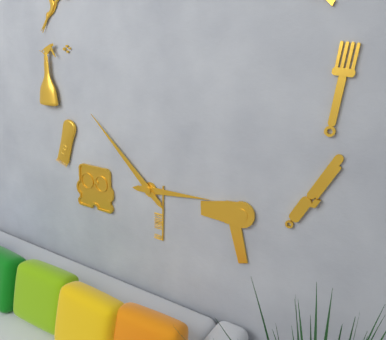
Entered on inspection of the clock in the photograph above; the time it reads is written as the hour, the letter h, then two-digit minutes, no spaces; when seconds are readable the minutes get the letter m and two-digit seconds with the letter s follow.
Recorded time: 2h52
